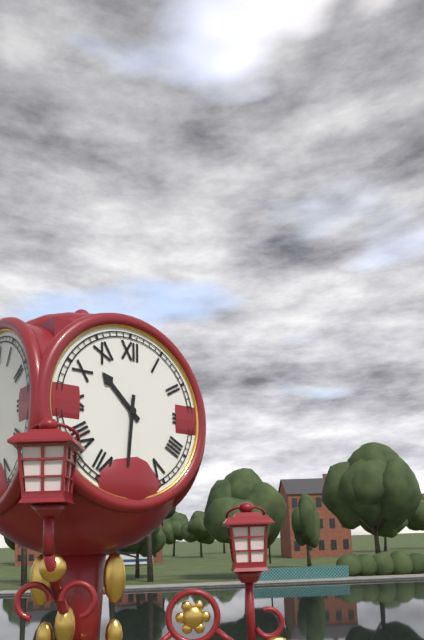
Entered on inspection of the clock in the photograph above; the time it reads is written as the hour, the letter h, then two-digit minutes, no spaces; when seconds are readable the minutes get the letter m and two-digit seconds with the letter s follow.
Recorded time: 10h31
